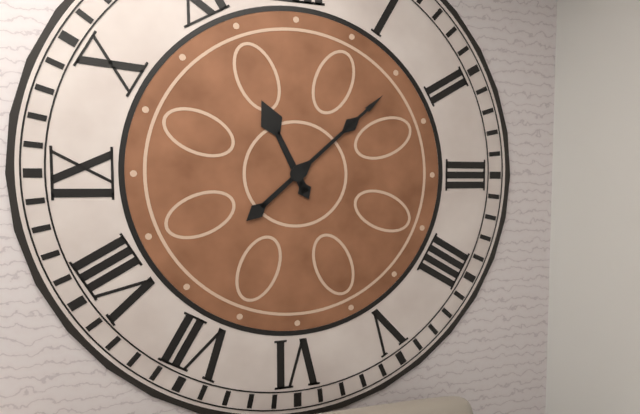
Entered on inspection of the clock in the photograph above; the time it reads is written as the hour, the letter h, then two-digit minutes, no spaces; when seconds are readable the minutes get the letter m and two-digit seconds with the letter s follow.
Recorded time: 11h08
